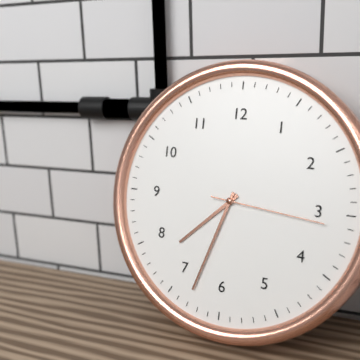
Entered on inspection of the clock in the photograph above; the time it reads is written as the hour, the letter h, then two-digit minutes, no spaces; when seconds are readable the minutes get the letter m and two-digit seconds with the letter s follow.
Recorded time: 7h33m16s
